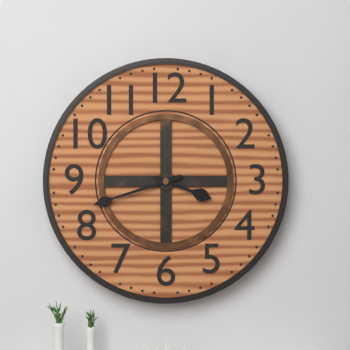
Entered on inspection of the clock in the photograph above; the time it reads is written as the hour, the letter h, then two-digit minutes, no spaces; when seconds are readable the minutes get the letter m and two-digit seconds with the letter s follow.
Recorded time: 3h42
